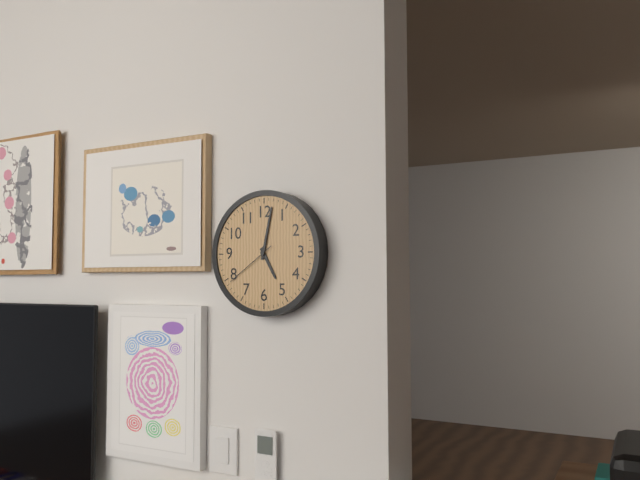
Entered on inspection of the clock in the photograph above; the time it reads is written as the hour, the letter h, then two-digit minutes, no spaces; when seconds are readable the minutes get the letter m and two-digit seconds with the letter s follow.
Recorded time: 5h02m39s
